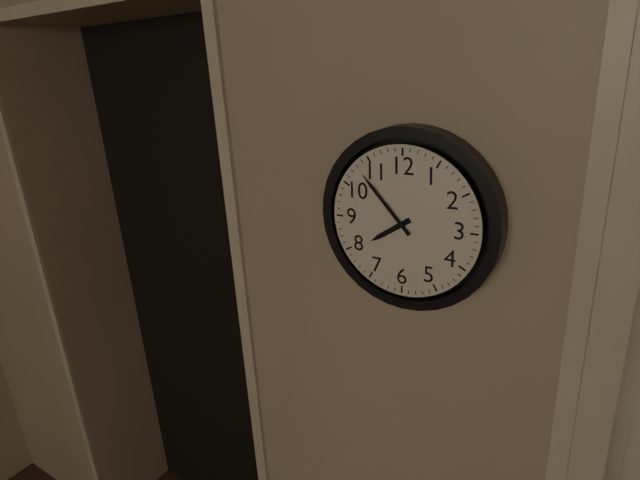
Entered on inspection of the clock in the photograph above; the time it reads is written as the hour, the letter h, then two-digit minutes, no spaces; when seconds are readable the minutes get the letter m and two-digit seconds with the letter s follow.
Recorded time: 7h53
